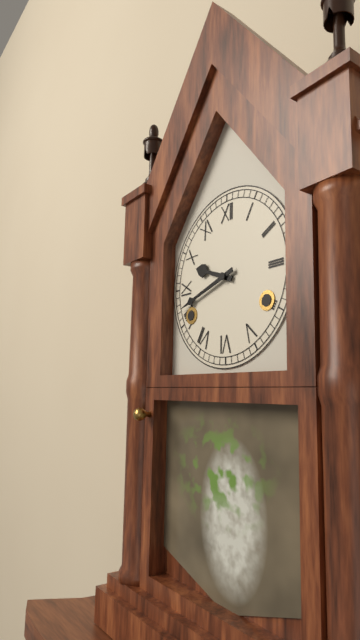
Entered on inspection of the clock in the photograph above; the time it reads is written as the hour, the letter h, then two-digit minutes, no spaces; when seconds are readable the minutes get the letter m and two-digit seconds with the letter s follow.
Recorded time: 9h42
